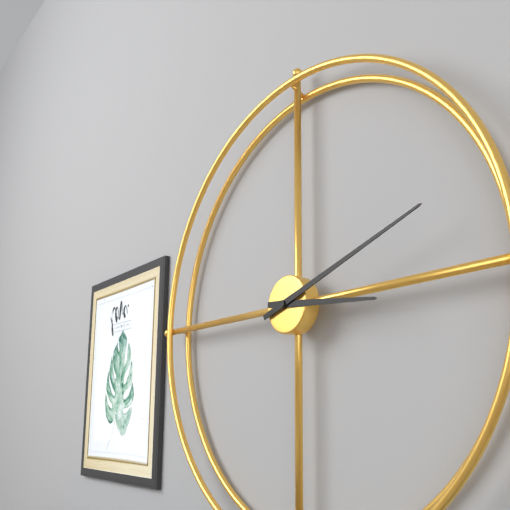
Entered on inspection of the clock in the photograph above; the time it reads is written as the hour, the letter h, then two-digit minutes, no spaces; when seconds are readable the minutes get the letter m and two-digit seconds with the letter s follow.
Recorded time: 3h12
